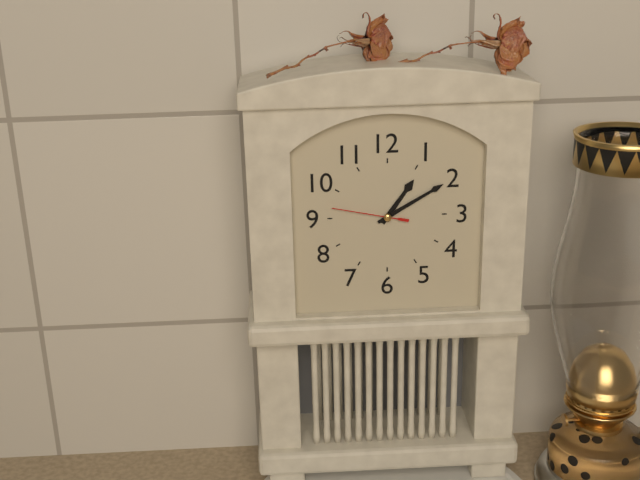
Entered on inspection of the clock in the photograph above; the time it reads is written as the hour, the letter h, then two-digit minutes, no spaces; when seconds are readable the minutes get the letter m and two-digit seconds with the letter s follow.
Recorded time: 1h10m47s
